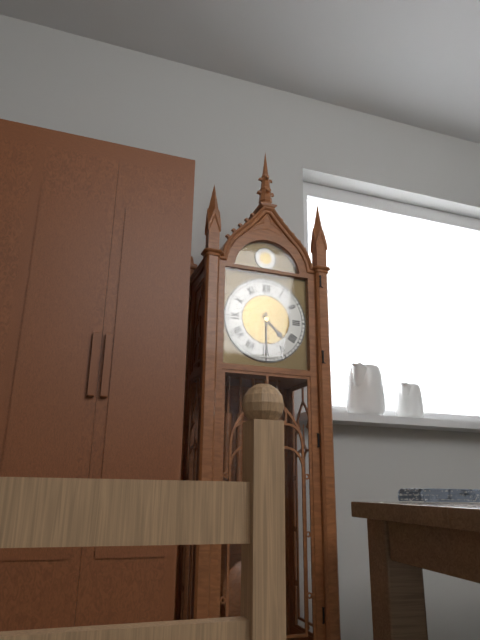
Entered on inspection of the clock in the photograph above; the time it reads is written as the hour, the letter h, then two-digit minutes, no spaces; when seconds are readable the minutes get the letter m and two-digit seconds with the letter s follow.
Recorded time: 4h30
